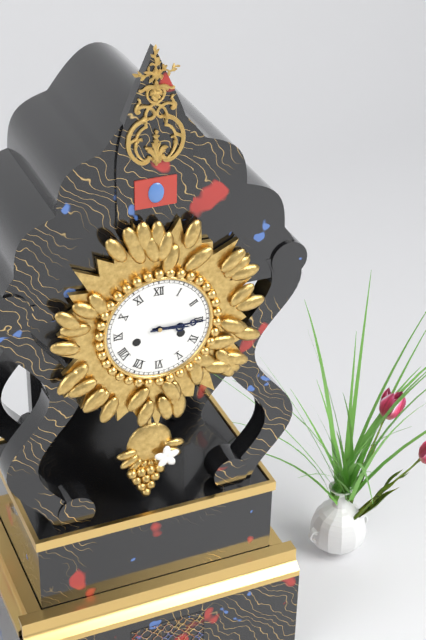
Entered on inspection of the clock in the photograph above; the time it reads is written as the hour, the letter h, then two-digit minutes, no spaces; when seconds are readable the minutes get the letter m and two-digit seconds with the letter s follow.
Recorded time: 3h15
